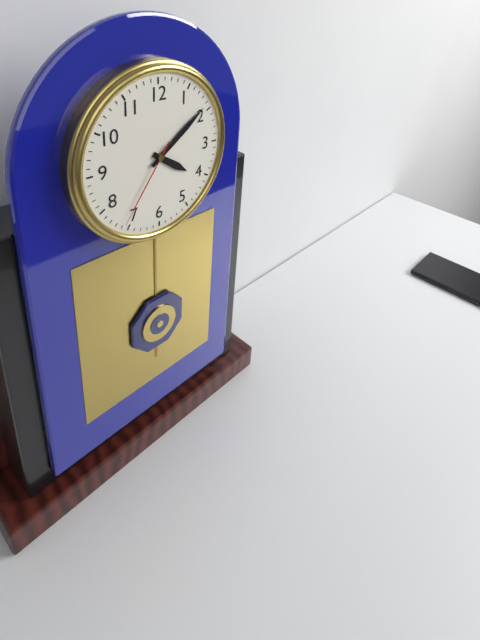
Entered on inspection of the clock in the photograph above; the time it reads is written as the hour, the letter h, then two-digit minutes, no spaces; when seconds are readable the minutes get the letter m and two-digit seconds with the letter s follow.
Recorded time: 4h09m36s
